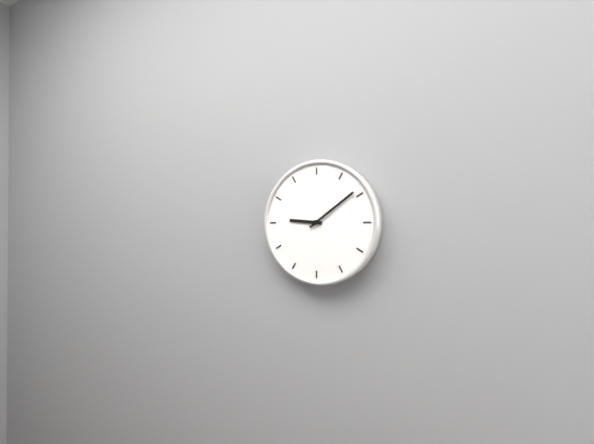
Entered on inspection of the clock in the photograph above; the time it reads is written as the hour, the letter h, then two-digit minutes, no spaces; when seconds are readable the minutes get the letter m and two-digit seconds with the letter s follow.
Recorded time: 9h09
